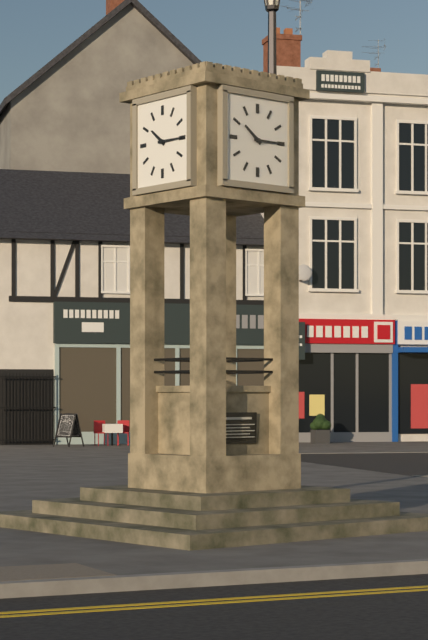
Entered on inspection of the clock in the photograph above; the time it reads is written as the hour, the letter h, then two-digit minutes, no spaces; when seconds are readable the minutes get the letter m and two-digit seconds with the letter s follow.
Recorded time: 10h15
